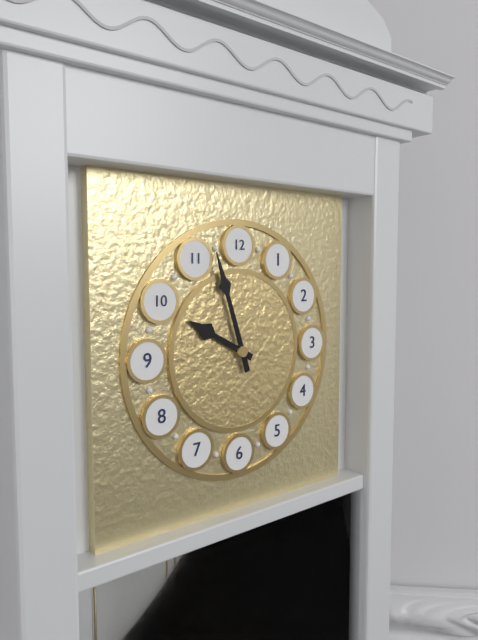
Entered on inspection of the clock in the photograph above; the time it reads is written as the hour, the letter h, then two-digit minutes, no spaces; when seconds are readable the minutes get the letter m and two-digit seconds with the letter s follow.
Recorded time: 9h57
